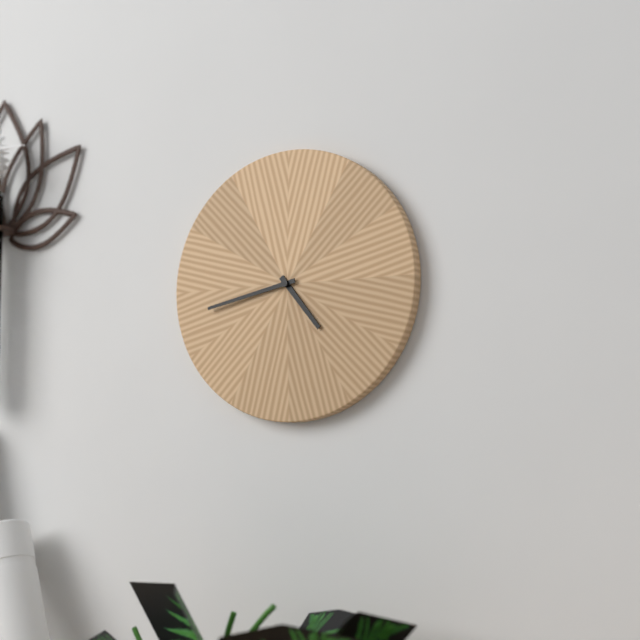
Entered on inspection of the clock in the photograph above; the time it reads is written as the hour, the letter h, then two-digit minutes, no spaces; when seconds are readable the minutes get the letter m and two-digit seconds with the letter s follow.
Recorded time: 4h43
